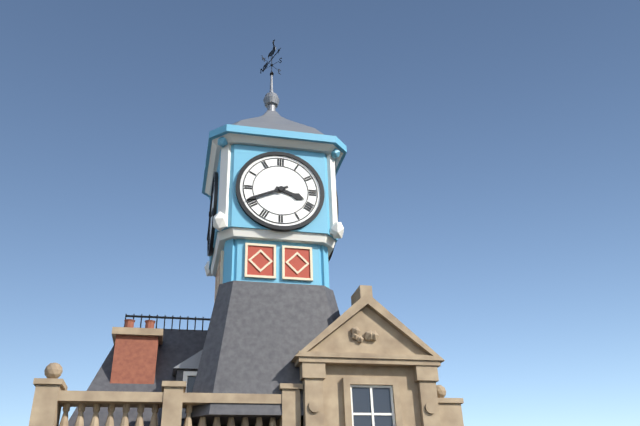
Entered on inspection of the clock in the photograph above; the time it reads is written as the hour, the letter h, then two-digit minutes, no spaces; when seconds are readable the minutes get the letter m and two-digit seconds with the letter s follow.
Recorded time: 3h41
